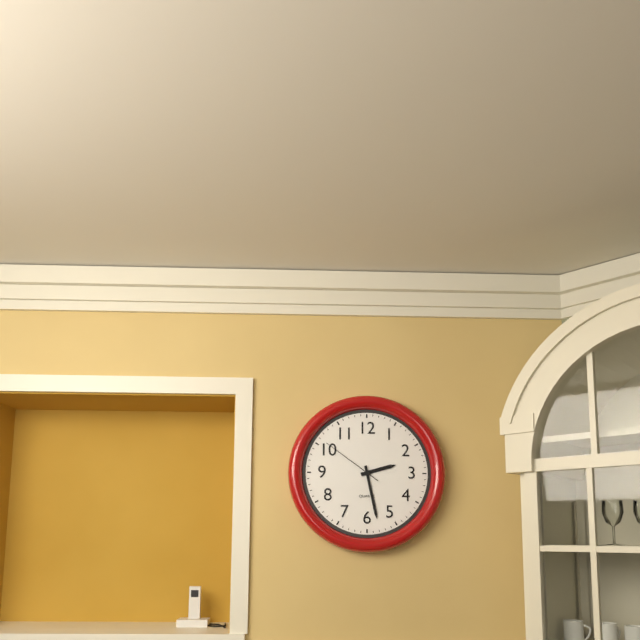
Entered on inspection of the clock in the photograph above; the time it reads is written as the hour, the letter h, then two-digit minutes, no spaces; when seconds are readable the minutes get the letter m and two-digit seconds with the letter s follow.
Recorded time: 2h28m51s
